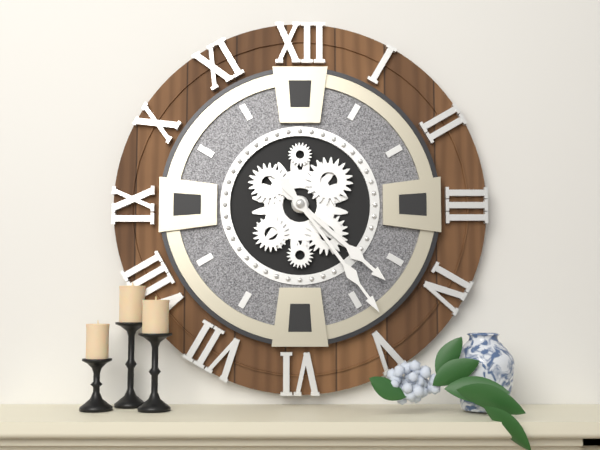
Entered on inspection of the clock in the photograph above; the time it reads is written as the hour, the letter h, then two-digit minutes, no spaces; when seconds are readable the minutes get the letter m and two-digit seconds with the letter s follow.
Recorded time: 4h24
